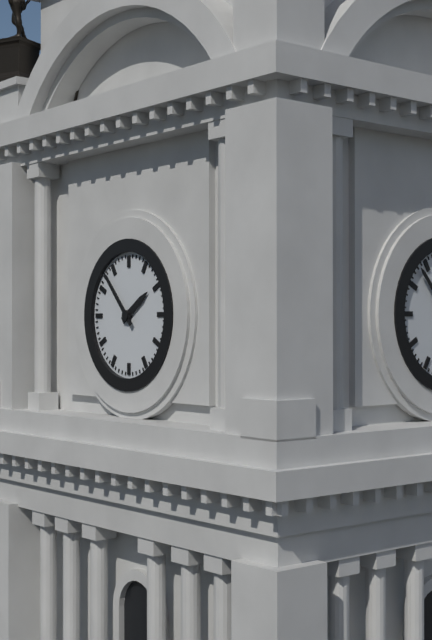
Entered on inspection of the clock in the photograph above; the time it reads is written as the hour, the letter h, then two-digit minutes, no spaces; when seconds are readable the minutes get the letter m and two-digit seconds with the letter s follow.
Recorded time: 1h53
